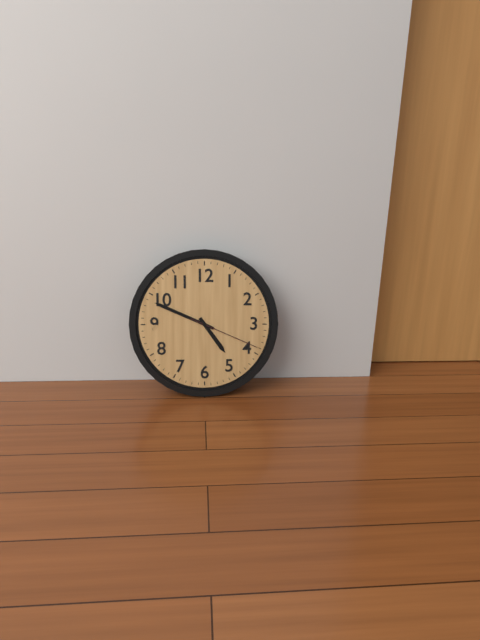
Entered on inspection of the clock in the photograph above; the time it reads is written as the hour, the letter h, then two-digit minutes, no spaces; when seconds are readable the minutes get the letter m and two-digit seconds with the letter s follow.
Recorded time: 4h49m19s
